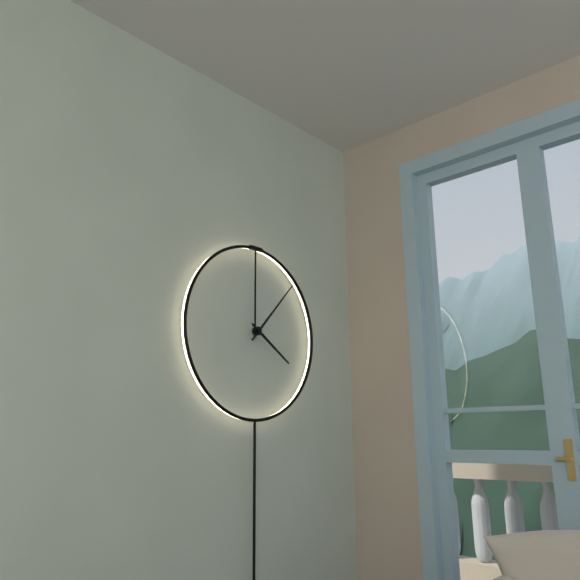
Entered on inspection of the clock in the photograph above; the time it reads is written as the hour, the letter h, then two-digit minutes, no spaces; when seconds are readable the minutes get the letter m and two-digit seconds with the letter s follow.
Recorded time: 4h07
